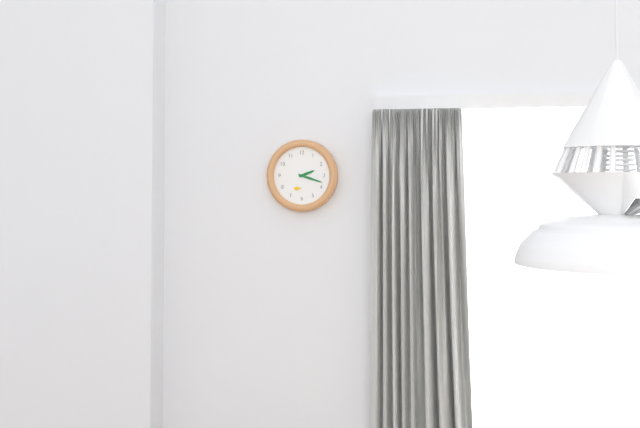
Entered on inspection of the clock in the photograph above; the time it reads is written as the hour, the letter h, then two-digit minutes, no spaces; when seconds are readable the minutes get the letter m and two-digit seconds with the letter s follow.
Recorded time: 2h18
